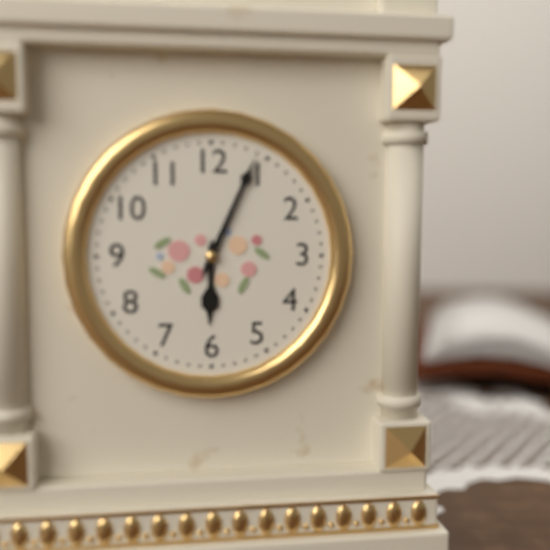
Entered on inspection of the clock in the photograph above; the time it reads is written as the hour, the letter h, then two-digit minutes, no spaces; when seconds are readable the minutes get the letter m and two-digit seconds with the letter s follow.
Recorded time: 6h04
